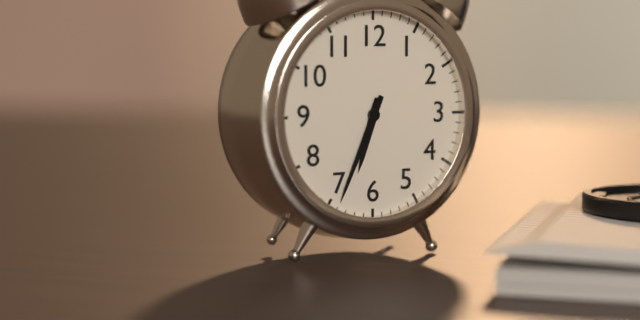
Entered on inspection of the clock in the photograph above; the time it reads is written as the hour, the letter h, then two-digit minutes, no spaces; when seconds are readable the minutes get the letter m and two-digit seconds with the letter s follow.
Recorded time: 6h34
